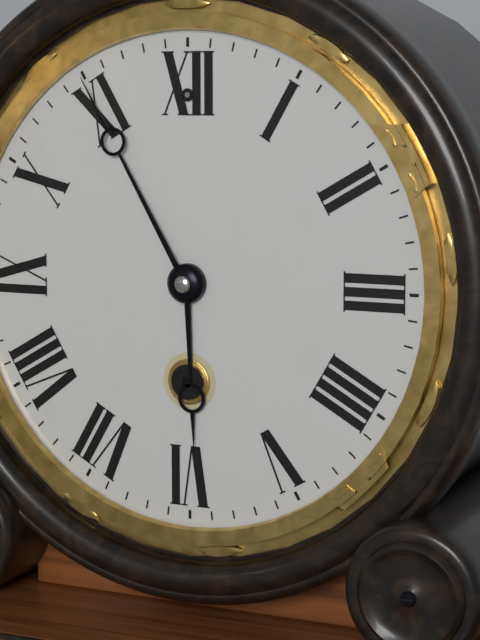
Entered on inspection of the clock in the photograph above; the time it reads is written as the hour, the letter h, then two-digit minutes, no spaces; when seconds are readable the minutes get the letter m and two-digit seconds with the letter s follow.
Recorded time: 5h55
